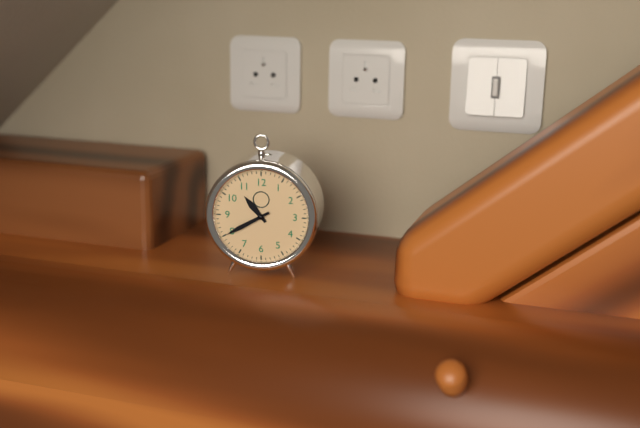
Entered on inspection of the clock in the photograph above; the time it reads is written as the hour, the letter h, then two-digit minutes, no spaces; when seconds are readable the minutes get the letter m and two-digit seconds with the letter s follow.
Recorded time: 10h40
